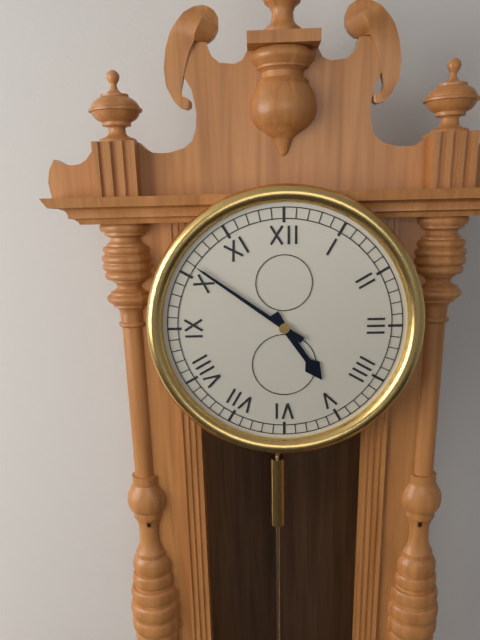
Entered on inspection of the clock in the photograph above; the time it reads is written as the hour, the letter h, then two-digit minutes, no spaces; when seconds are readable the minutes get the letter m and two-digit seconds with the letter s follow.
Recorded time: 4h51
